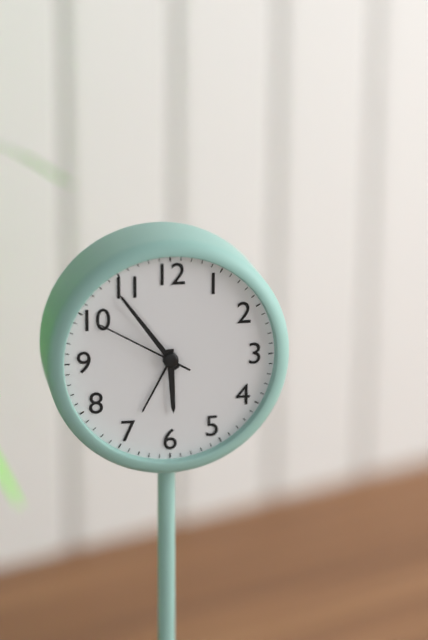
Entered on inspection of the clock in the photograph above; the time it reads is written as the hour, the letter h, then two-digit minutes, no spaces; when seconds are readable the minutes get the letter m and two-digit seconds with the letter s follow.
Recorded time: 5h54m50s
